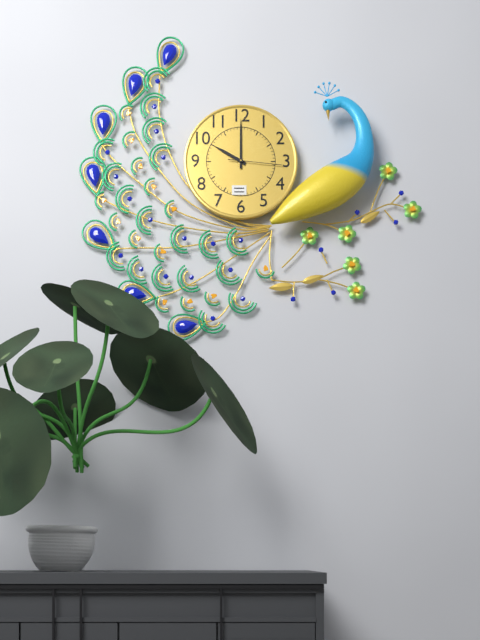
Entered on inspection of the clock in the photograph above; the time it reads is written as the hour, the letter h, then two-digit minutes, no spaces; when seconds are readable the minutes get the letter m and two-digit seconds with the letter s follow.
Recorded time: 10h00m16s
